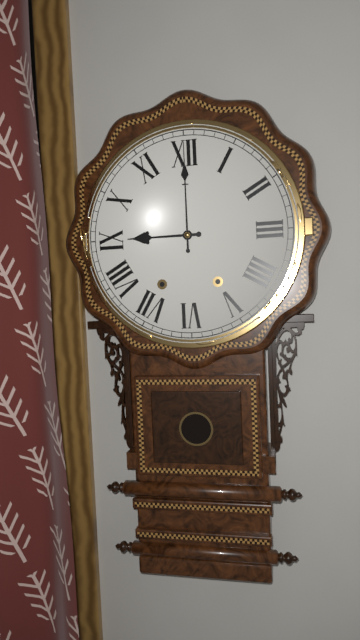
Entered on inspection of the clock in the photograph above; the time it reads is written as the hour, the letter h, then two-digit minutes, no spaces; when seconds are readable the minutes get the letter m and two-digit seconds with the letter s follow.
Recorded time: 9h00
